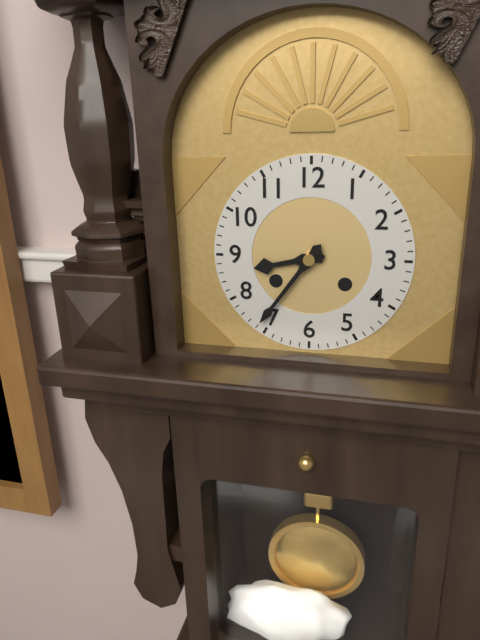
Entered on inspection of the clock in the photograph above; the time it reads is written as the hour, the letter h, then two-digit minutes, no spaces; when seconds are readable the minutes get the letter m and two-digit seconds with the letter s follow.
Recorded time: 8h36
